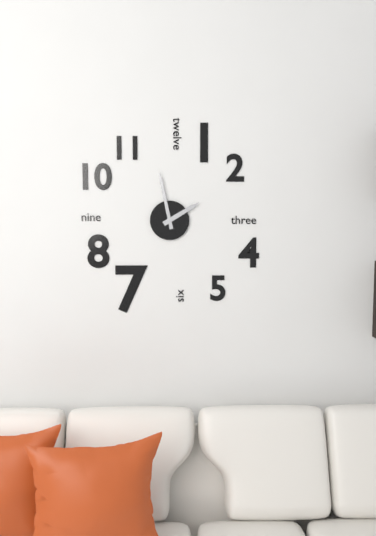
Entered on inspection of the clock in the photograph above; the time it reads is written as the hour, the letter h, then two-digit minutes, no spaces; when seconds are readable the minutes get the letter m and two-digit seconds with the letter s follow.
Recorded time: 1h58
